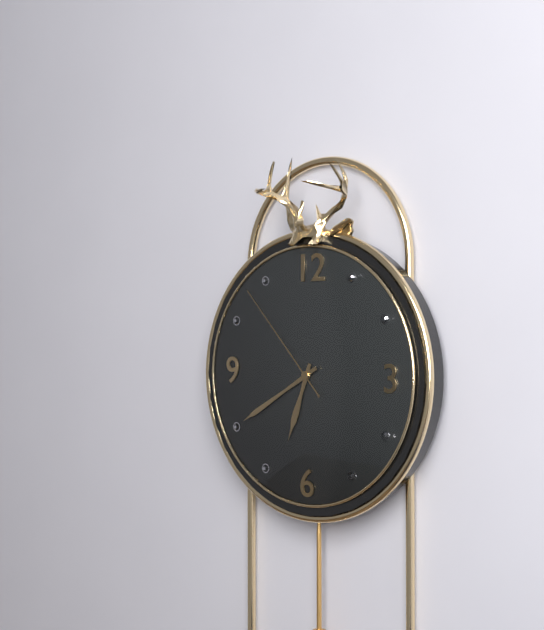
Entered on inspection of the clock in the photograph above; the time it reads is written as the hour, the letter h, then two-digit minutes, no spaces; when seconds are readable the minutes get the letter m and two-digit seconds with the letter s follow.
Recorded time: 6h40m53s
